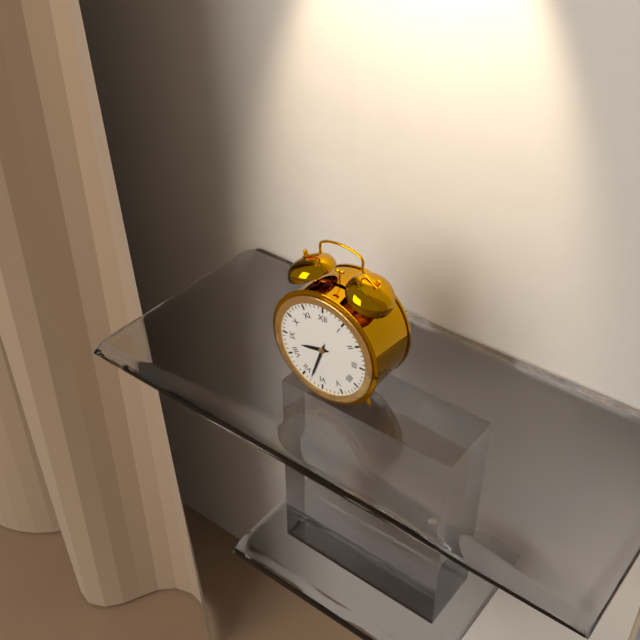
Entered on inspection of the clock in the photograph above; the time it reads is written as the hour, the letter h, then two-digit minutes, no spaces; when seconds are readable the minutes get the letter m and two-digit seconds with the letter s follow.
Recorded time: 8h33
